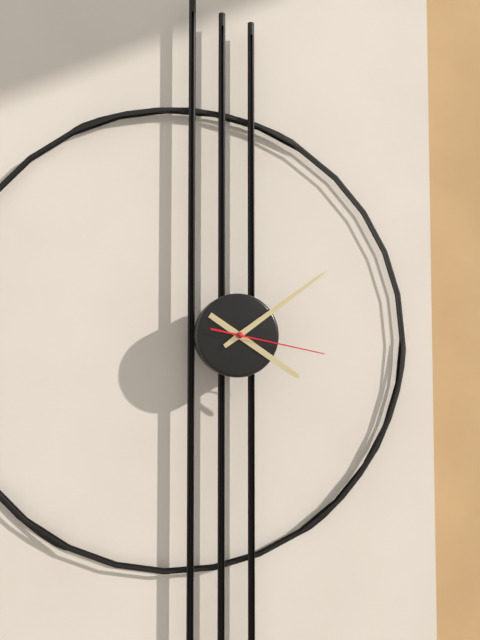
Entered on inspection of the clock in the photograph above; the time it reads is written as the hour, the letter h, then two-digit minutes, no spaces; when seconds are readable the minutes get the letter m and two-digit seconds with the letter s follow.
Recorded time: 4h09m17s
